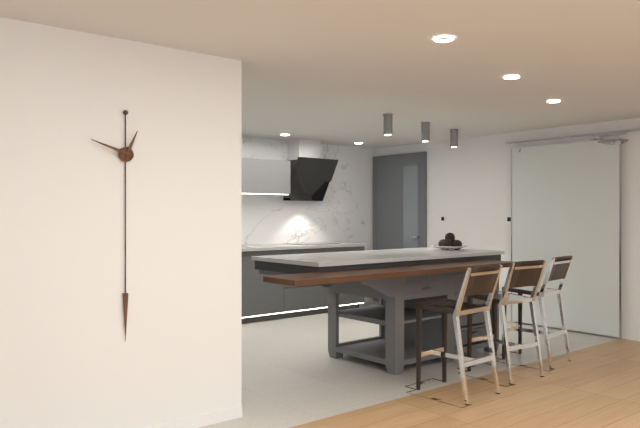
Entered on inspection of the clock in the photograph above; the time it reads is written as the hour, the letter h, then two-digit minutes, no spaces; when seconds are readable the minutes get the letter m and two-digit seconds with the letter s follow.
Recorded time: 12h48
